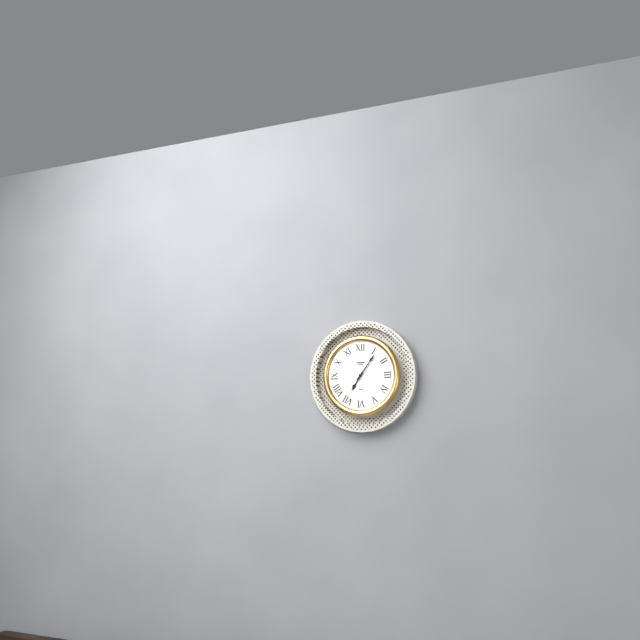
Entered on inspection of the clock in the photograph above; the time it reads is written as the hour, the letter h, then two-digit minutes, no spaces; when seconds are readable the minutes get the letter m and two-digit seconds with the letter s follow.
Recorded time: 7h06
